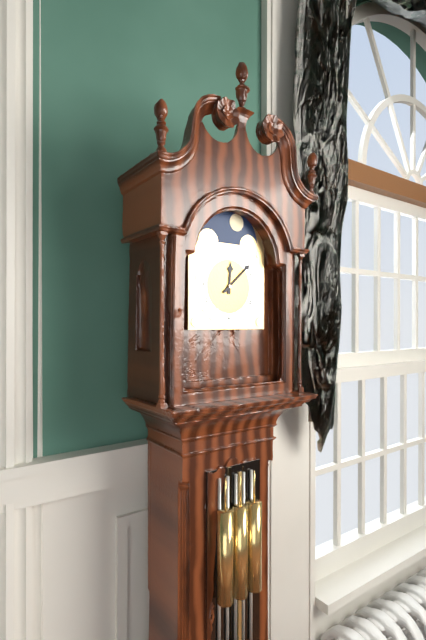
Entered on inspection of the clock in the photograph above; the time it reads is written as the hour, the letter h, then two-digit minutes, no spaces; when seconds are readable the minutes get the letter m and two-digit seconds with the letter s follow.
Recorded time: 12h08
